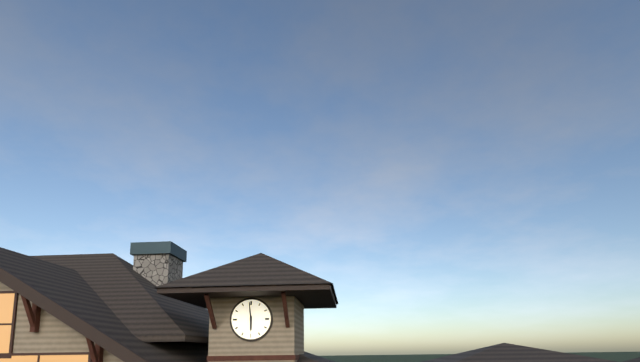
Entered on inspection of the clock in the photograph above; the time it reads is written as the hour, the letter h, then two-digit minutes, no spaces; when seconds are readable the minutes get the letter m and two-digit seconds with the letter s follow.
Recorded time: 5h59
